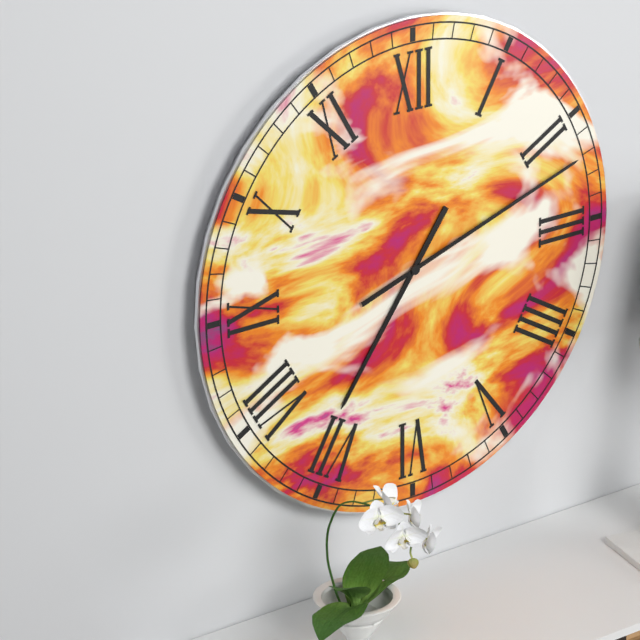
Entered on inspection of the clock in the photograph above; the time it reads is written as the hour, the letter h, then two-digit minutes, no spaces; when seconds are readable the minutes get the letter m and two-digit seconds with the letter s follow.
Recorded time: 7h12
